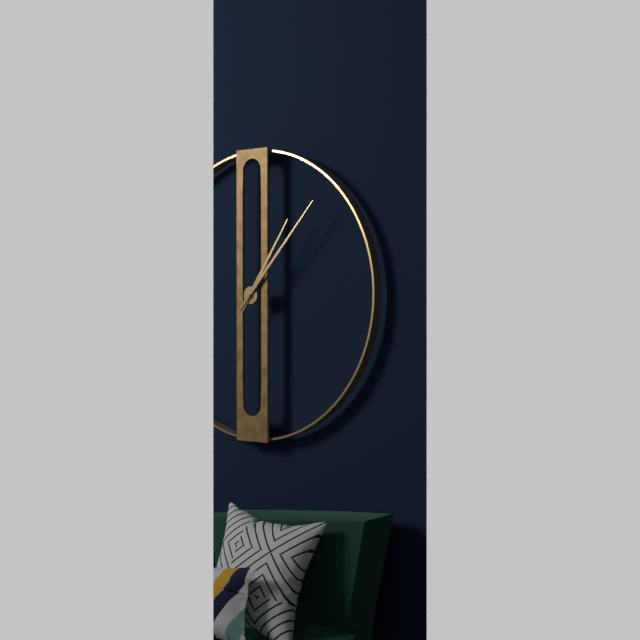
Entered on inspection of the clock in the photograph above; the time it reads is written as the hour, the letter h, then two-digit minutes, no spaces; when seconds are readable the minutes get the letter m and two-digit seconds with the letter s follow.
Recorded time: 1h07
